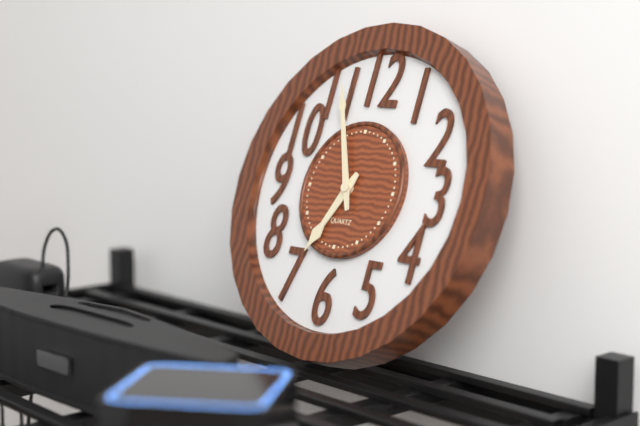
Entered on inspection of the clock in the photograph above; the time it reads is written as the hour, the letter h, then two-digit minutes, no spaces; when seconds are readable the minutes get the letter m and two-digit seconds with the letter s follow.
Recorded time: 6h56
